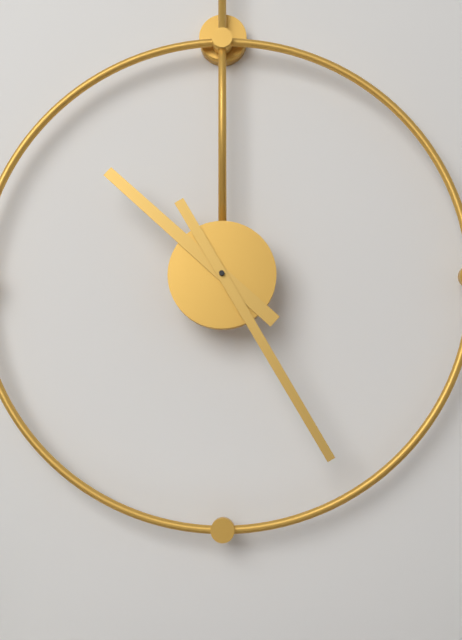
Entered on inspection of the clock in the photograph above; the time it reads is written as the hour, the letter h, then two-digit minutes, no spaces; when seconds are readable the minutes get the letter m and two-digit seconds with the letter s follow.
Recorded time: 10h25
